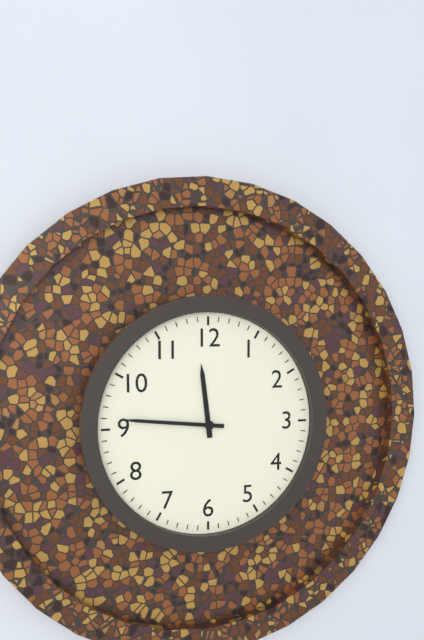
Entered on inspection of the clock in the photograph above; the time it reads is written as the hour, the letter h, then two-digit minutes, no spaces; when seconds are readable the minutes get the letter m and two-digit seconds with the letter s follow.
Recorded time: 11h46
